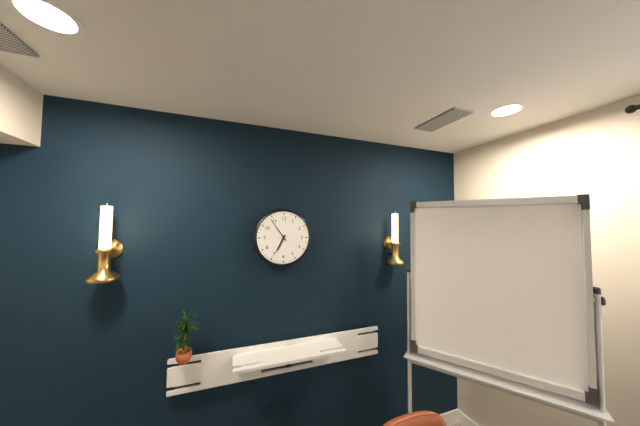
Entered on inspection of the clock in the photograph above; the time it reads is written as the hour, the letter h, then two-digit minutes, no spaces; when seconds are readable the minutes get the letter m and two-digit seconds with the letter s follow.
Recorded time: 6h54
